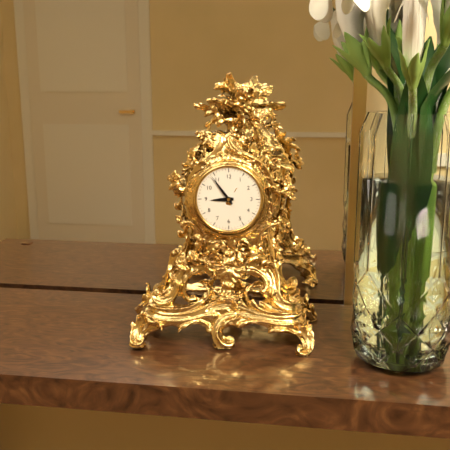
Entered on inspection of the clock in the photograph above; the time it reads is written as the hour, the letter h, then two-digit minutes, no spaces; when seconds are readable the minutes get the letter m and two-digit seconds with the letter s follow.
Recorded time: 8h54
